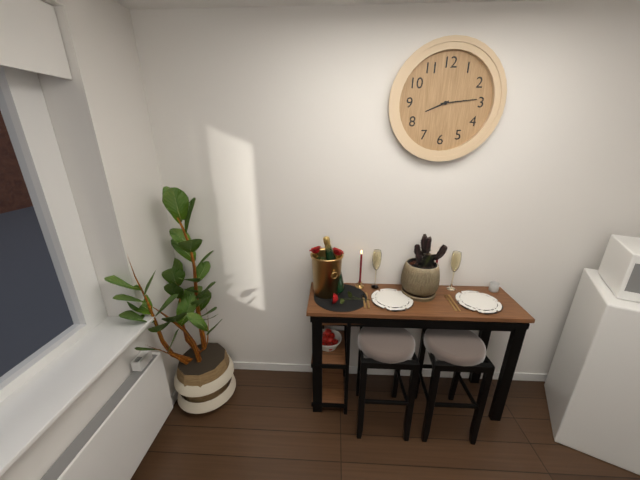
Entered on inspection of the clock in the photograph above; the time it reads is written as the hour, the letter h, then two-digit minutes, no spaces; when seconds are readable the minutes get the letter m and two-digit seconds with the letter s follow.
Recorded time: 8h14
